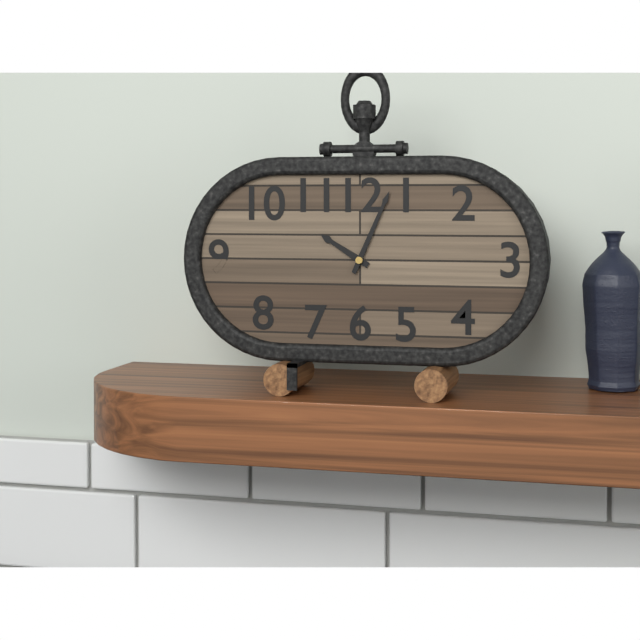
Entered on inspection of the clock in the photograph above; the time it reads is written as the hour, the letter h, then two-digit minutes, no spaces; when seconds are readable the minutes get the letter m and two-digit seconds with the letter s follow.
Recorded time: 10h04
